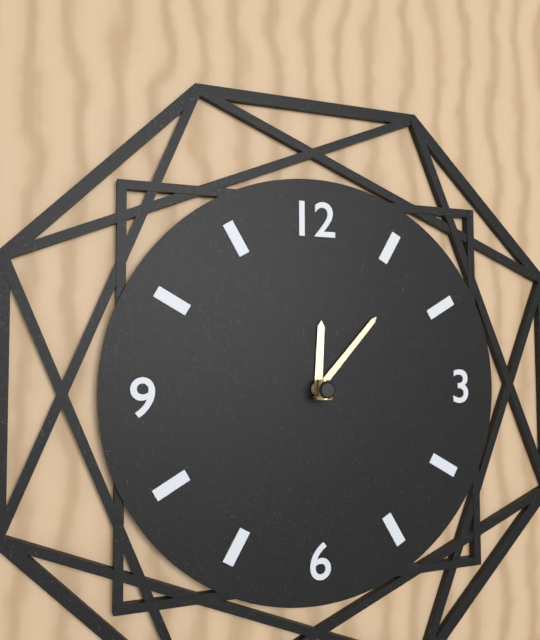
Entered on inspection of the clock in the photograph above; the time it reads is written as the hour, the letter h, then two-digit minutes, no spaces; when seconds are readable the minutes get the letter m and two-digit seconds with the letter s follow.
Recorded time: 12h07
